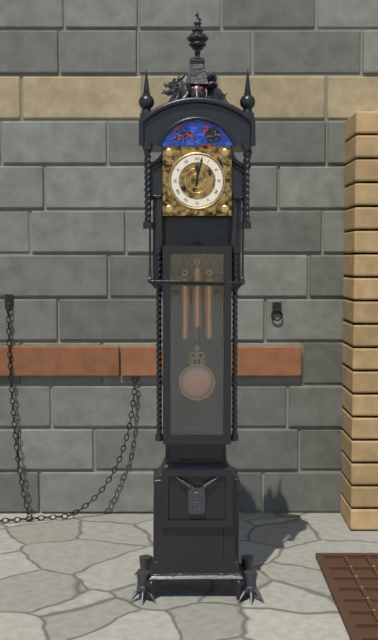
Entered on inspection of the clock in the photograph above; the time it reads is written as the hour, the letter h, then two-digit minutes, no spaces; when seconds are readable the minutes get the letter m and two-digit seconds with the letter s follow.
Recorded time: 12h02
